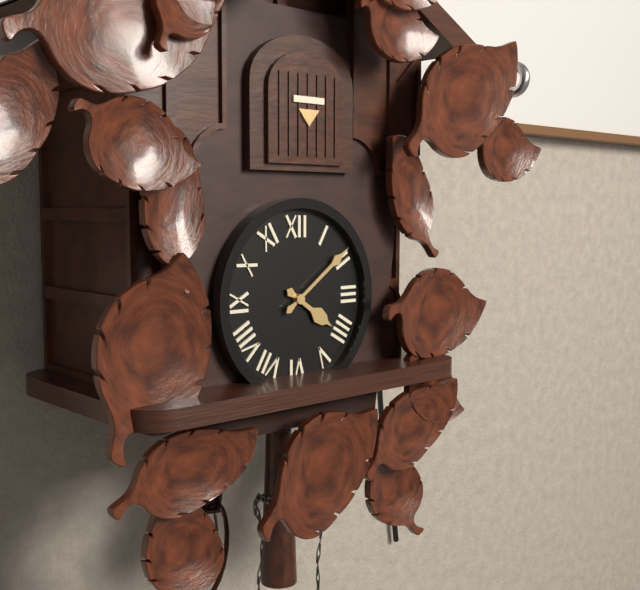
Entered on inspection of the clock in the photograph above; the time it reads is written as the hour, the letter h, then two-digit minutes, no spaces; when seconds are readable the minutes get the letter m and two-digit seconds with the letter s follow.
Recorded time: 4h09
